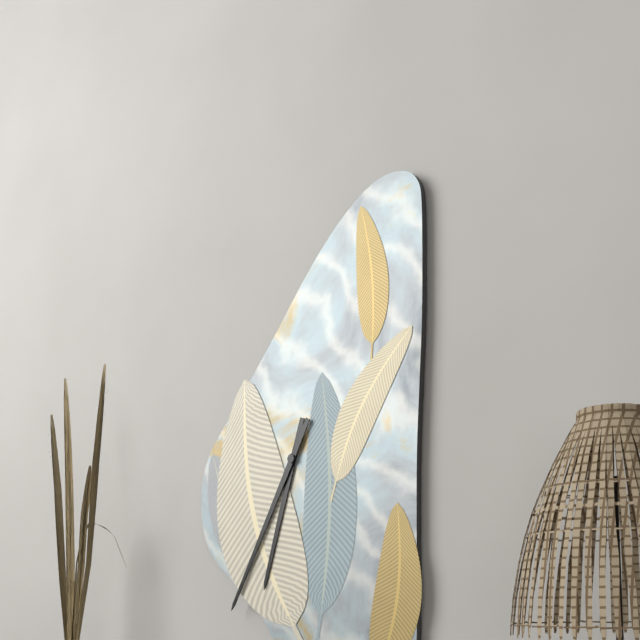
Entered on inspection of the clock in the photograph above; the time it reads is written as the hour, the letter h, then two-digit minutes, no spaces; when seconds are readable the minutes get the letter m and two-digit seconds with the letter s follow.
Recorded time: 6h35
